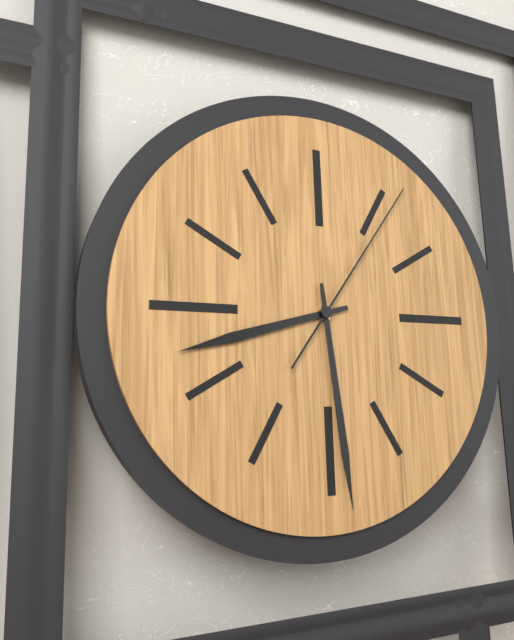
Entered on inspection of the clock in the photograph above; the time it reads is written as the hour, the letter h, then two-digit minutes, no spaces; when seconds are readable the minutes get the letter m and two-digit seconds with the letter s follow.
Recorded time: 8h29m06s
